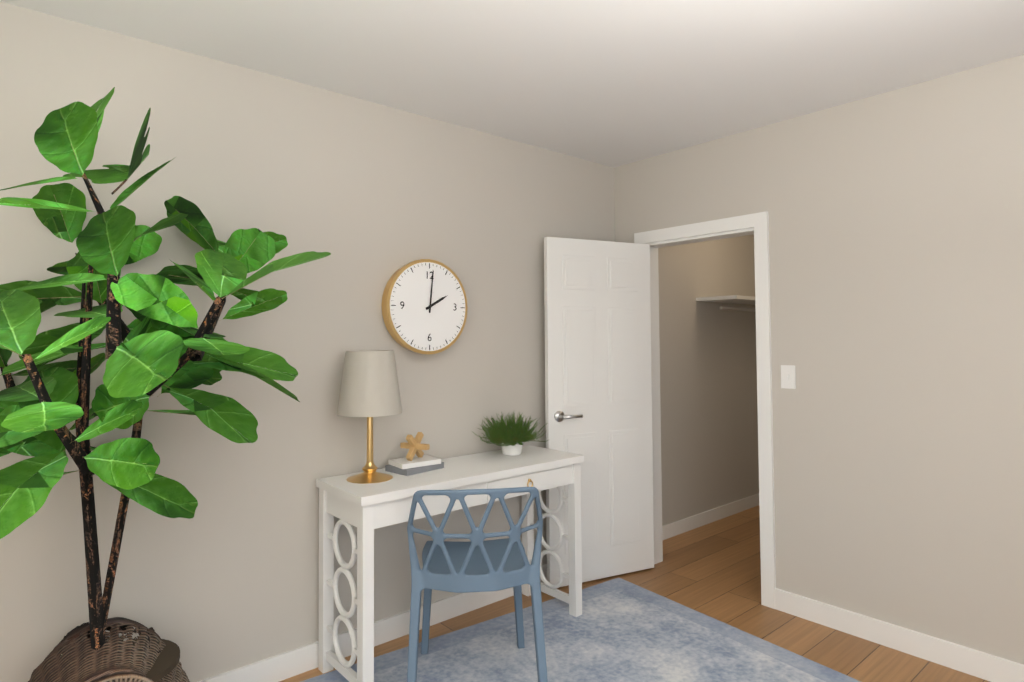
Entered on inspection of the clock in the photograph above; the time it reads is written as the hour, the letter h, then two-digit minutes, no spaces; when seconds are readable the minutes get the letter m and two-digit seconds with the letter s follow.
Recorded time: 2h01
